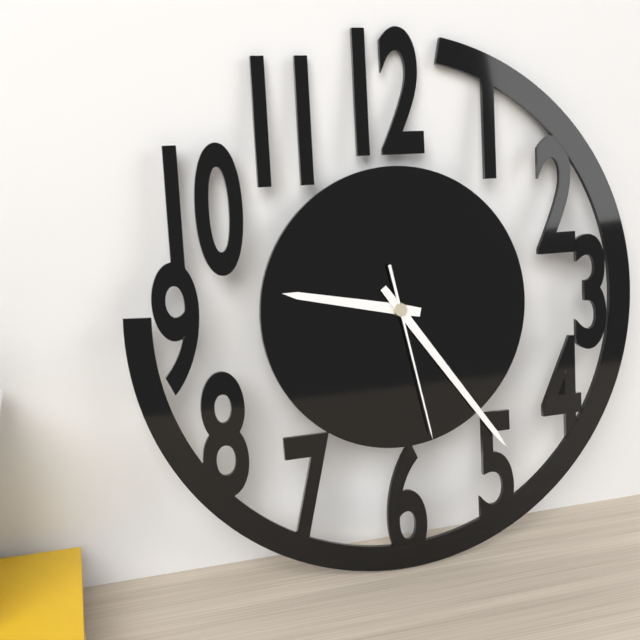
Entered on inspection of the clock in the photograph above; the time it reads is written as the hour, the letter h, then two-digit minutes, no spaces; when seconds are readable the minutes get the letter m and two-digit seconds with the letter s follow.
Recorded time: 9h24m28s
